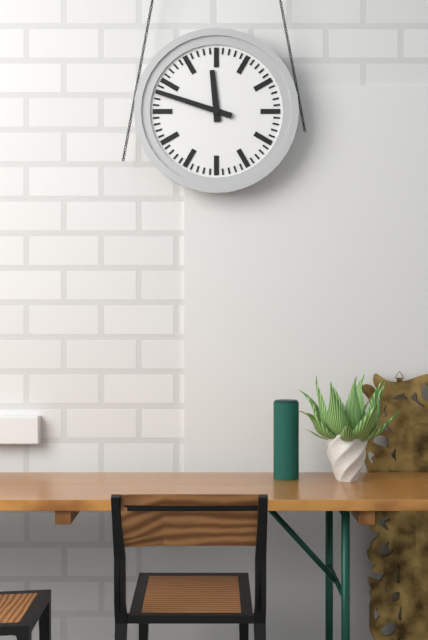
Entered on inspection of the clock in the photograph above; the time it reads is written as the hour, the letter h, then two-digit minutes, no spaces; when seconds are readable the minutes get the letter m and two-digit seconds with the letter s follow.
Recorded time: 11h48
